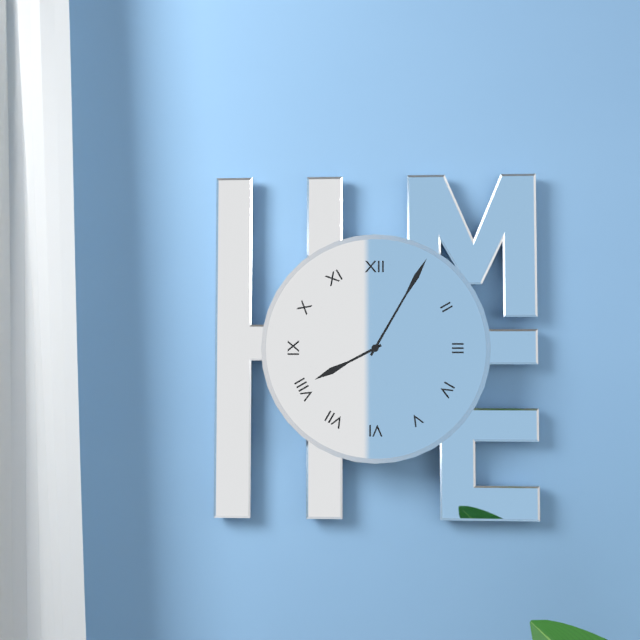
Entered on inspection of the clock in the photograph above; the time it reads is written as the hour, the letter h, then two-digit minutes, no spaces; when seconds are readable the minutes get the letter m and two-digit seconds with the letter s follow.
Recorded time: 8h05
